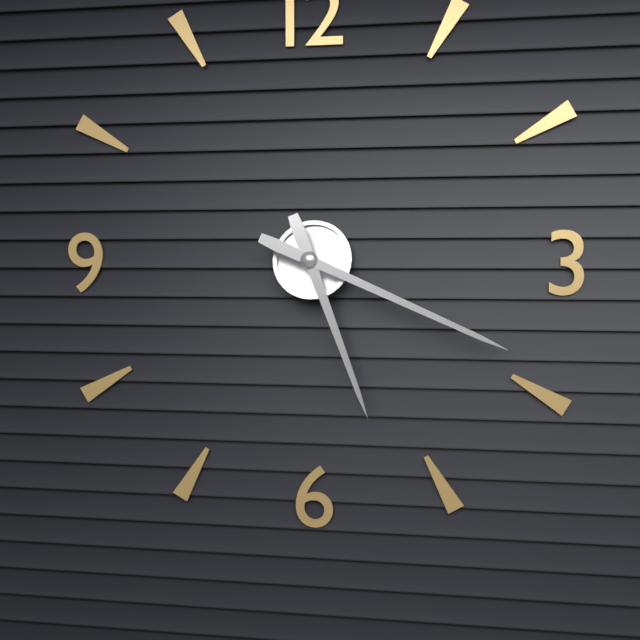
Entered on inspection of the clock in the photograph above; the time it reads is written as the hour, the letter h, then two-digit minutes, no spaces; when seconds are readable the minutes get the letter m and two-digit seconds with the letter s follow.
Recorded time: 5h19
